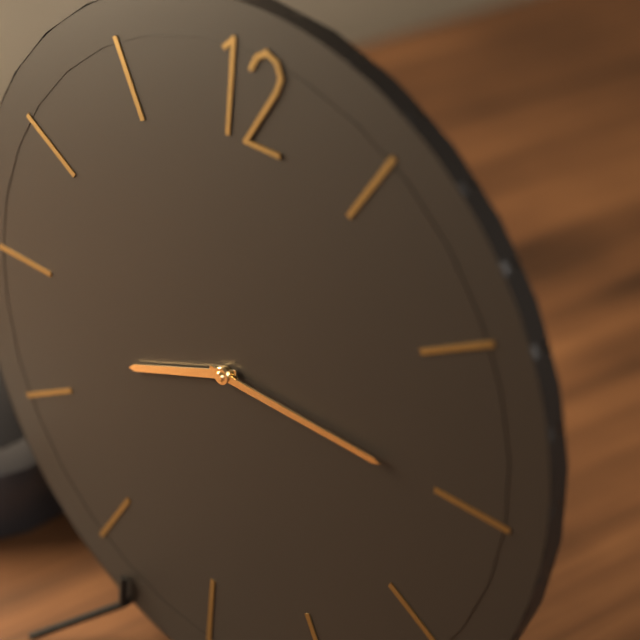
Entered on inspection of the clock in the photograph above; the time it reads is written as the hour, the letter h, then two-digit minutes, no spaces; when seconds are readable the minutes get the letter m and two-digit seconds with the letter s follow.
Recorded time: 8h15
